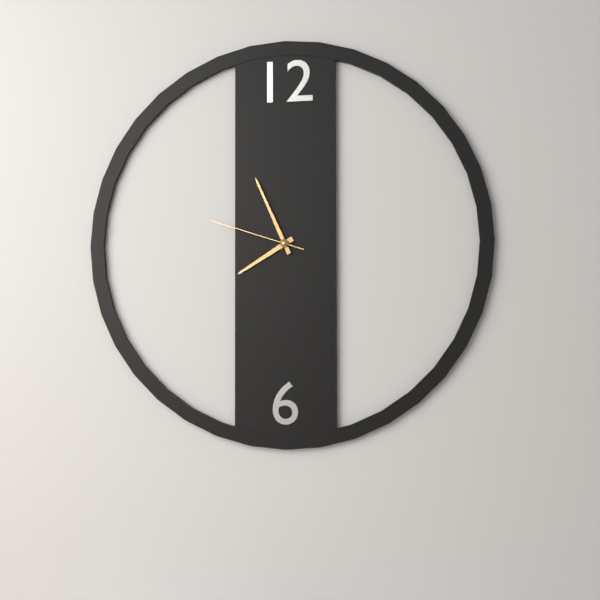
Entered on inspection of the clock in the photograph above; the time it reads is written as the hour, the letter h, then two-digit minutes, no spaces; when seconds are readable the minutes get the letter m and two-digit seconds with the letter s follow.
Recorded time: 7h56m48s
